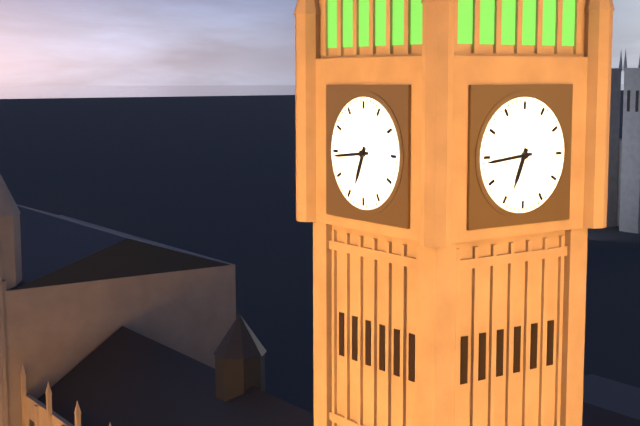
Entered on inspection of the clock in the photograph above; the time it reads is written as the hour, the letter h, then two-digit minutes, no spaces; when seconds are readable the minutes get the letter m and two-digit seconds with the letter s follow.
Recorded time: 6h44
